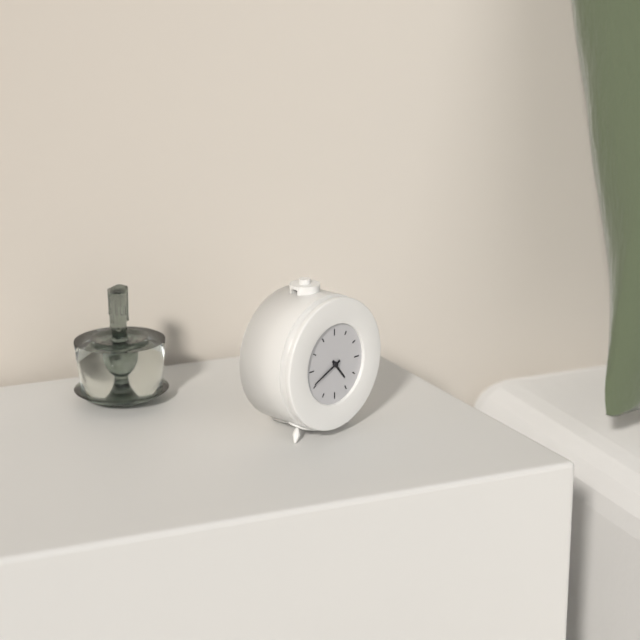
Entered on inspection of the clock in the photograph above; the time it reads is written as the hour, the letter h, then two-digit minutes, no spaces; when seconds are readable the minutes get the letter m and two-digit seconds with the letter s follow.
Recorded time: 4h41
